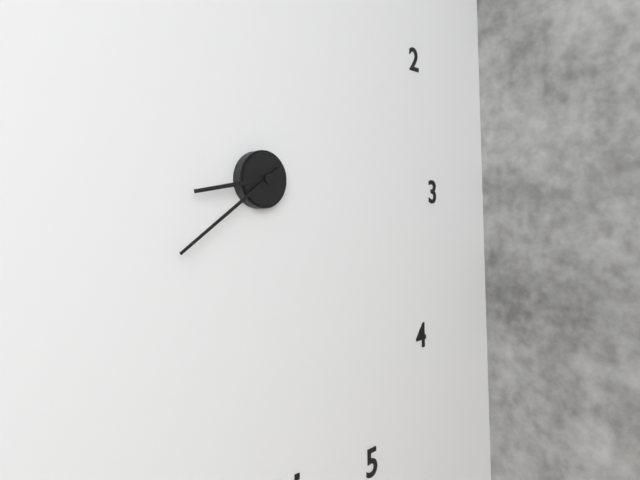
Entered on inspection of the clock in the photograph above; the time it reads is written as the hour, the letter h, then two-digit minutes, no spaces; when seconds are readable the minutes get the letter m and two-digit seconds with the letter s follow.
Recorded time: 8h39
